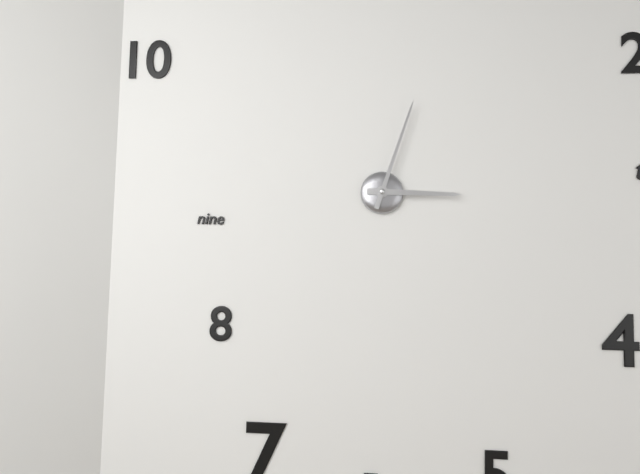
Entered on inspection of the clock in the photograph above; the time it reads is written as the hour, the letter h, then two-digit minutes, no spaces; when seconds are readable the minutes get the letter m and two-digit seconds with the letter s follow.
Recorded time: 3h03
